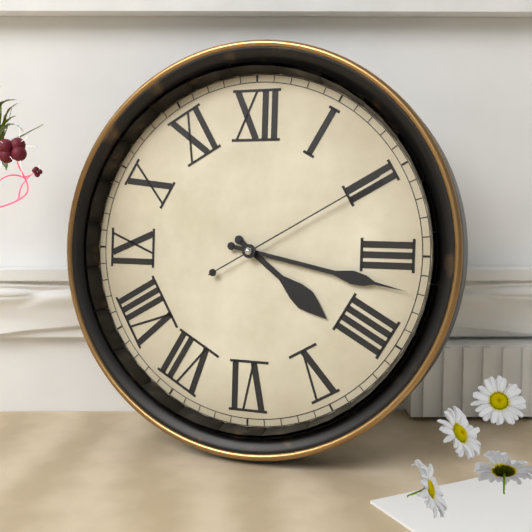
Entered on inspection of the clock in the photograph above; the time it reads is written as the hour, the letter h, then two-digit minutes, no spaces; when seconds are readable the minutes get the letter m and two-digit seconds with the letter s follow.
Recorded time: 4h17m10s
